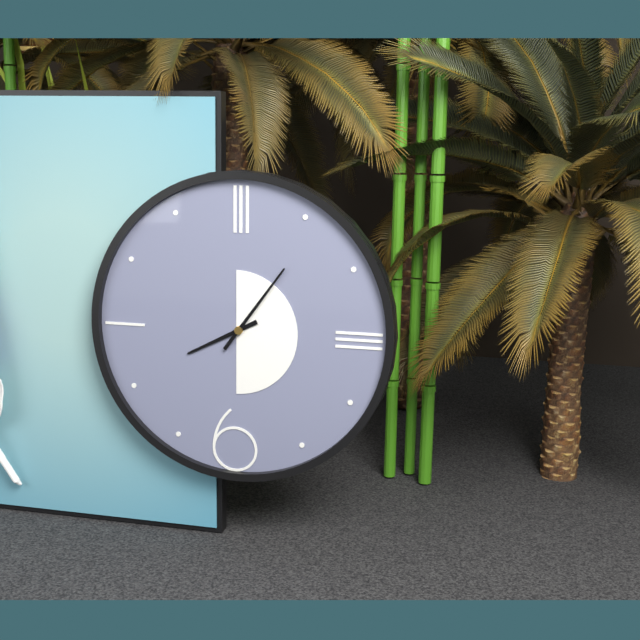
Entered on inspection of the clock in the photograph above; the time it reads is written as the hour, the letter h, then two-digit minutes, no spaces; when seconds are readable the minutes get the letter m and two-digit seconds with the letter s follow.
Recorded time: 8h06
